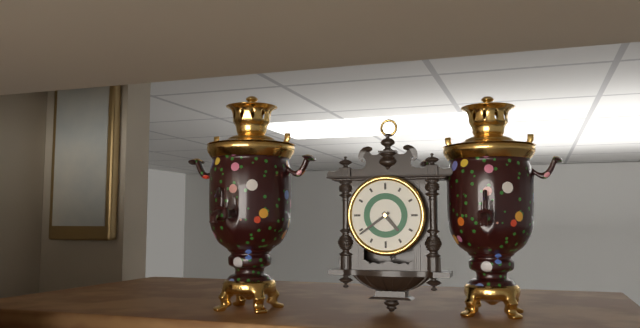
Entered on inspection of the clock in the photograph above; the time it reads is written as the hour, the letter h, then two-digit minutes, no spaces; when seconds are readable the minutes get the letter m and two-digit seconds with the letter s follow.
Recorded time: 4h39
